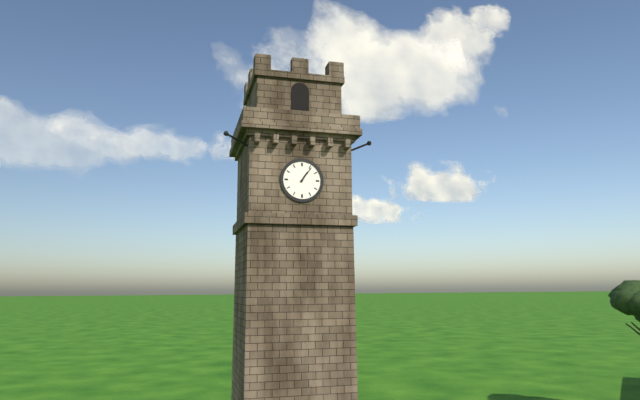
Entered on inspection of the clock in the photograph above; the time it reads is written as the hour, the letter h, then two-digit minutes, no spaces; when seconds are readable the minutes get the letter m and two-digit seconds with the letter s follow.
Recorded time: 1h06
